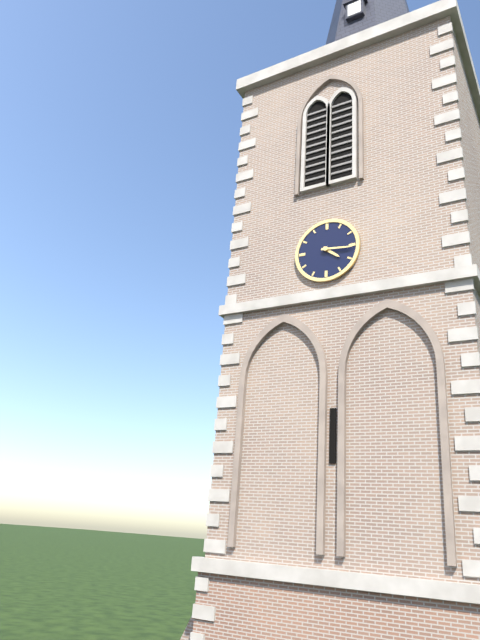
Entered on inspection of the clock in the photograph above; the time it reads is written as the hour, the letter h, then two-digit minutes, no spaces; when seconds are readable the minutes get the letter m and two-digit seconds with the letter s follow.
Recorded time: 4h16
